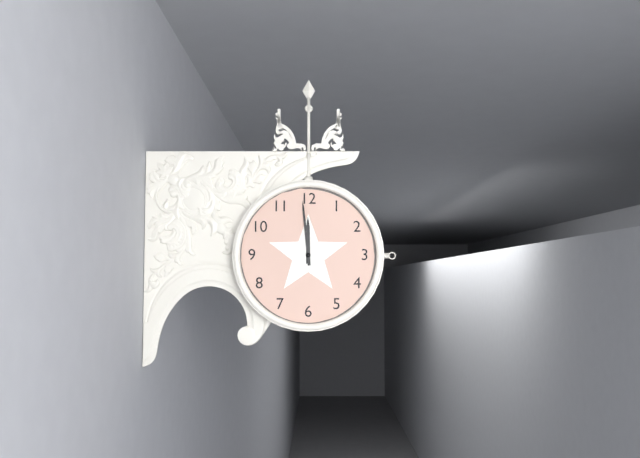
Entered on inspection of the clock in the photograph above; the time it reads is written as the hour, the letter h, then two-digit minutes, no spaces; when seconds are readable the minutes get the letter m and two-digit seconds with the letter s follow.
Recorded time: 11h59
